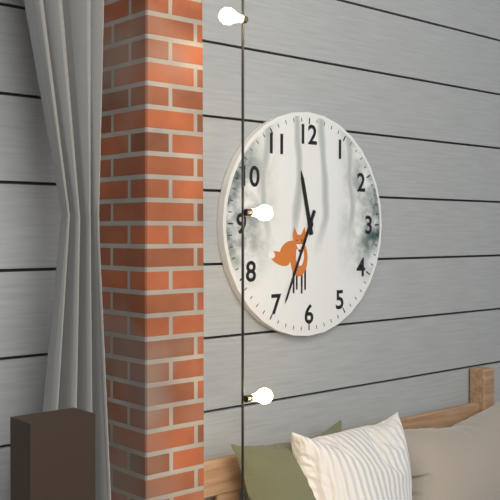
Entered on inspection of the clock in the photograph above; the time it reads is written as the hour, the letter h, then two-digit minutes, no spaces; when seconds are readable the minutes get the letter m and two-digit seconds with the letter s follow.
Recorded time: 11h34
